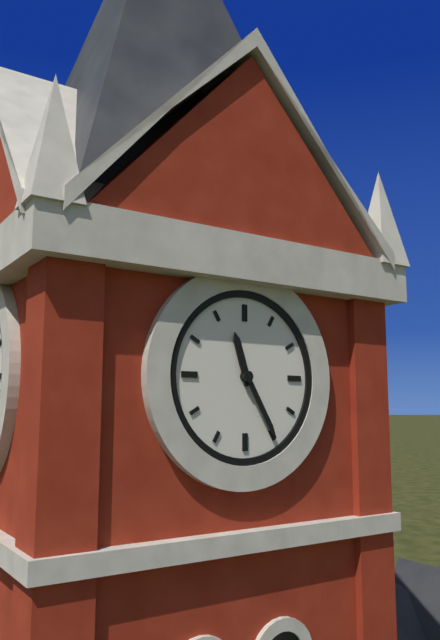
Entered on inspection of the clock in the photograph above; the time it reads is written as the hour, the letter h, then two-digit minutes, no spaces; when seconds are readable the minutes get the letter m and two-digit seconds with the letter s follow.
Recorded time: 11h25
